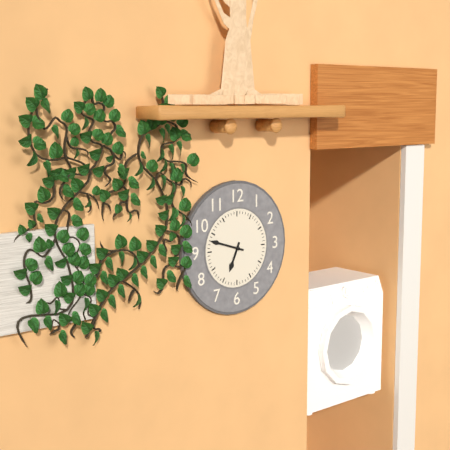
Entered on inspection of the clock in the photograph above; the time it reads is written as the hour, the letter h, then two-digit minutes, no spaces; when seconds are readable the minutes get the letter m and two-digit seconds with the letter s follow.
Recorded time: 6h48
